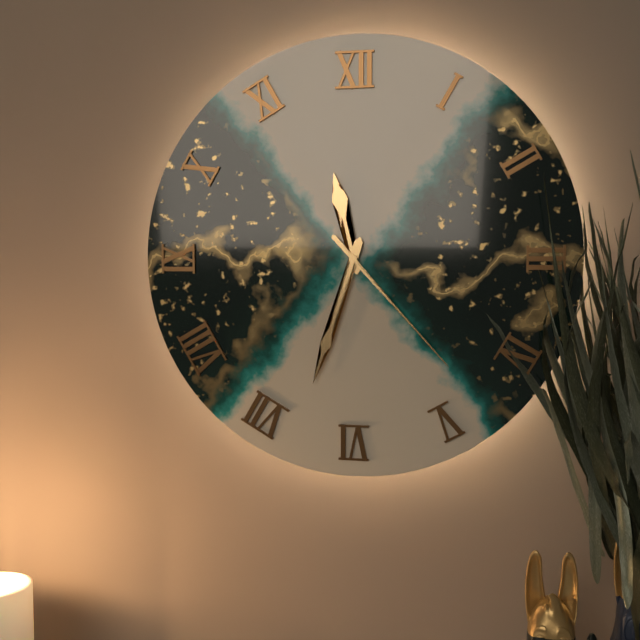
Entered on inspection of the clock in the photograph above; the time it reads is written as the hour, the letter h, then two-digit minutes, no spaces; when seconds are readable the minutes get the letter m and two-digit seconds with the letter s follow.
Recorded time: 11h33m23s
